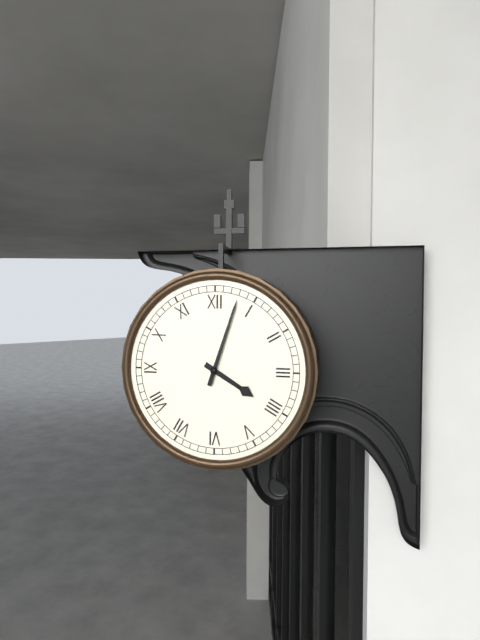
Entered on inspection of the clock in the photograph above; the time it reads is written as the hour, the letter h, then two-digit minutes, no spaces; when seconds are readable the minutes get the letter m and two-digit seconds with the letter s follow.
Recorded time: 4h03
